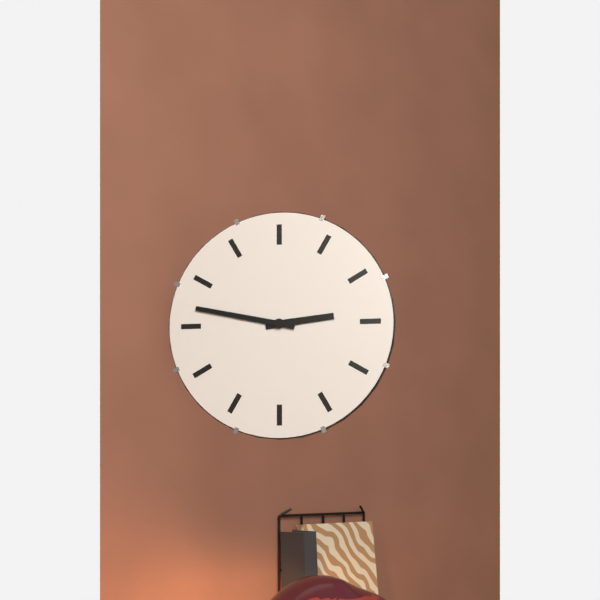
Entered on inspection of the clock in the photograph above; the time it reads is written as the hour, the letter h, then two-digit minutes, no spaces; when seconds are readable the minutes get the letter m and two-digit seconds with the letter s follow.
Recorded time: 2h47
